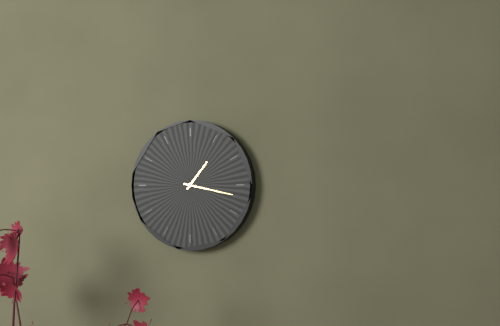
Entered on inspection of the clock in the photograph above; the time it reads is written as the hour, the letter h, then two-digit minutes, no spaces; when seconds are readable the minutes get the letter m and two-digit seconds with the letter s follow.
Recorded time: 1h17
